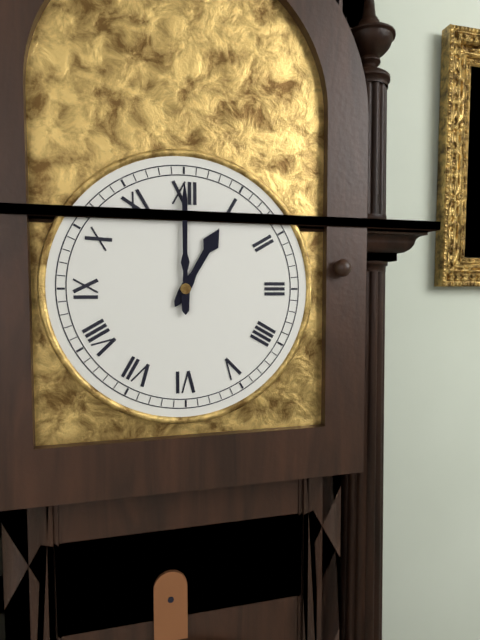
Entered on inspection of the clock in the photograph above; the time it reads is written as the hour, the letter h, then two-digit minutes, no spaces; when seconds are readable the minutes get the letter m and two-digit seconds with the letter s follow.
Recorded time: 1h00
